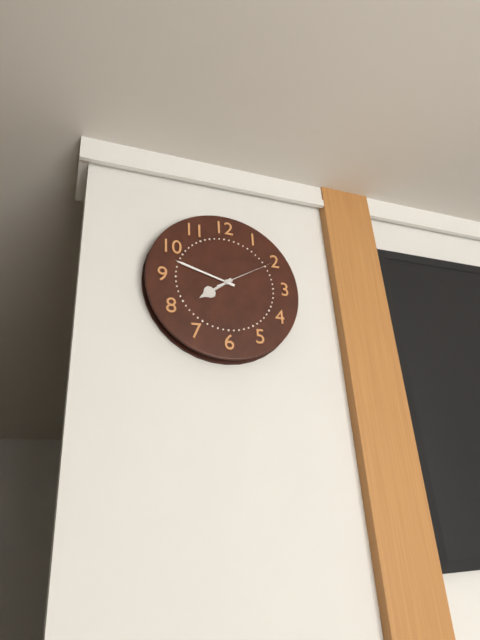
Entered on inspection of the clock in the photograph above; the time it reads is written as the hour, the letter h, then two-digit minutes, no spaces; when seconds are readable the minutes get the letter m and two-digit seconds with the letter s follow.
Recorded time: 7h48m10s
